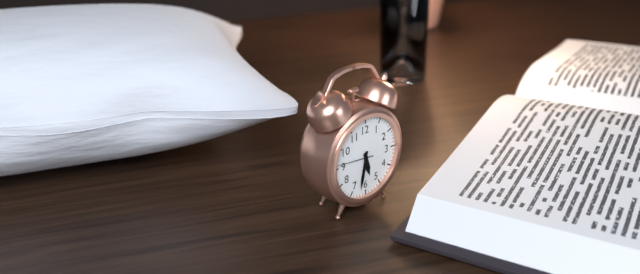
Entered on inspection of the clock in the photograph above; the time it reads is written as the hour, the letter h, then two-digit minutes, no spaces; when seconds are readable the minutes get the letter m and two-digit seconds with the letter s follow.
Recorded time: 5h32
